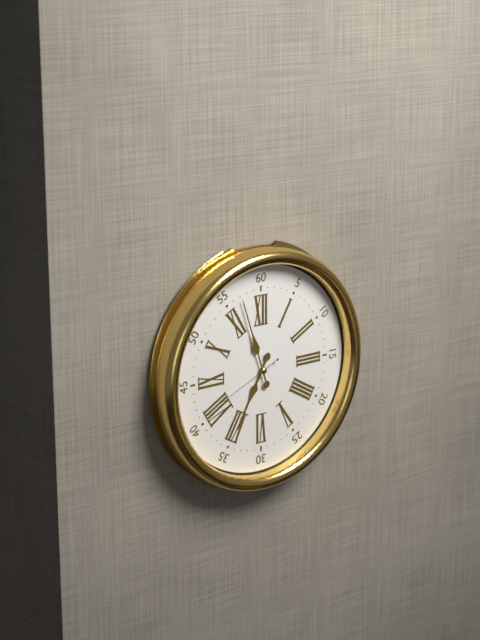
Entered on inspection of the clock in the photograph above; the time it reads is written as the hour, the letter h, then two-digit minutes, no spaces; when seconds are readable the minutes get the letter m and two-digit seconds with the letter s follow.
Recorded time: 6h57m41s
